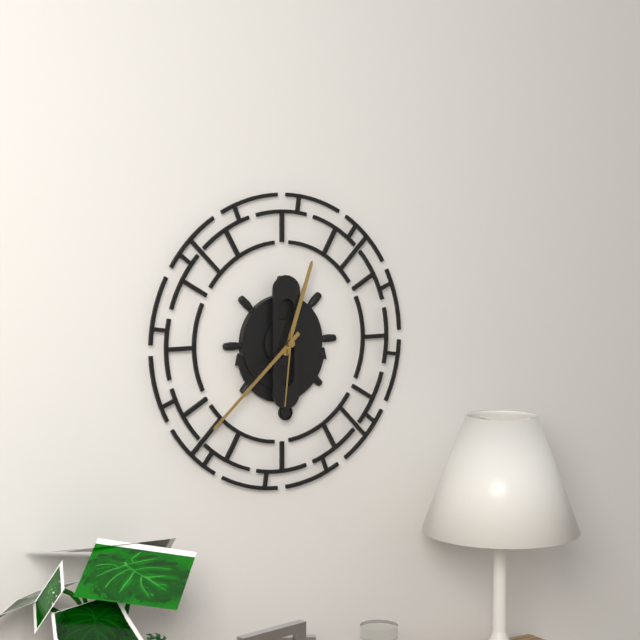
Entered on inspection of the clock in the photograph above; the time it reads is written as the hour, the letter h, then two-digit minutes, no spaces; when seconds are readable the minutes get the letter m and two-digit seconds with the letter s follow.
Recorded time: 12h38m31s
